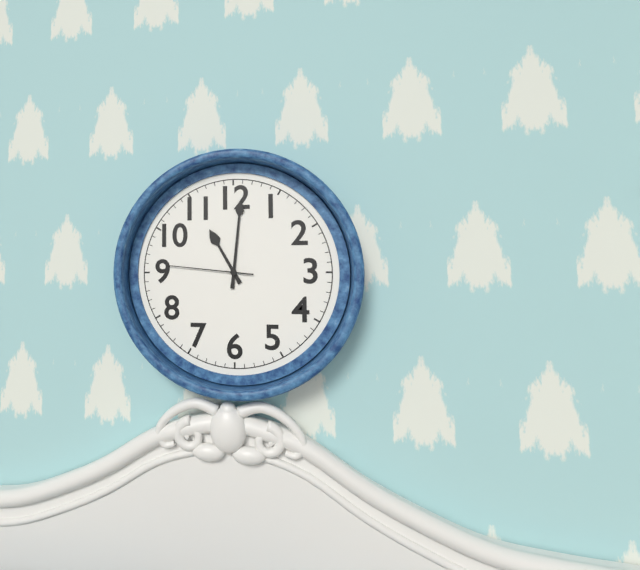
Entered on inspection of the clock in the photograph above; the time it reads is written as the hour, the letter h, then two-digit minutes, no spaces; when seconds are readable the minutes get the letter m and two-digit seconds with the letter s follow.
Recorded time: 11h01m46s
